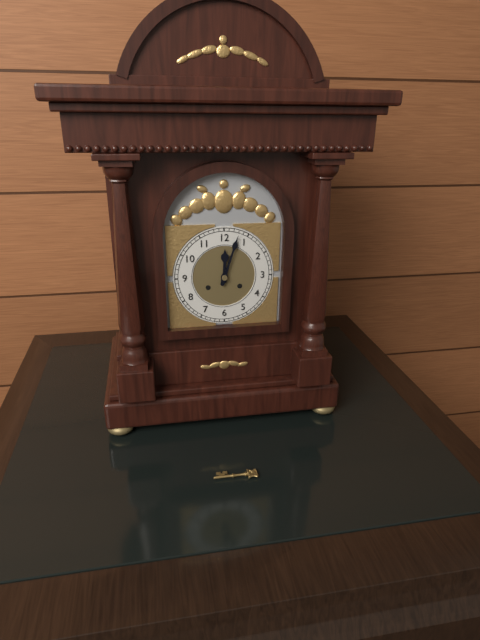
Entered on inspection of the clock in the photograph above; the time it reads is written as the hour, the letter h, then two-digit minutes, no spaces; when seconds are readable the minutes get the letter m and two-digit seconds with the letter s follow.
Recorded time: 12h03
